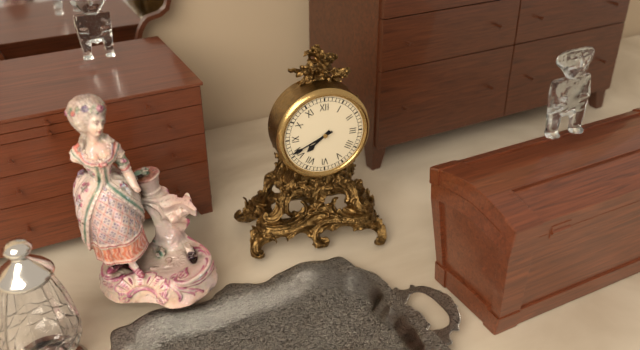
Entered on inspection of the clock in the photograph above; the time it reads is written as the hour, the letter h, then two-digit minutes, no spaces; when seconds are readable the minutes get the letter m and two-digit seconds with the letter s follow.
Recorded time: 7h41
